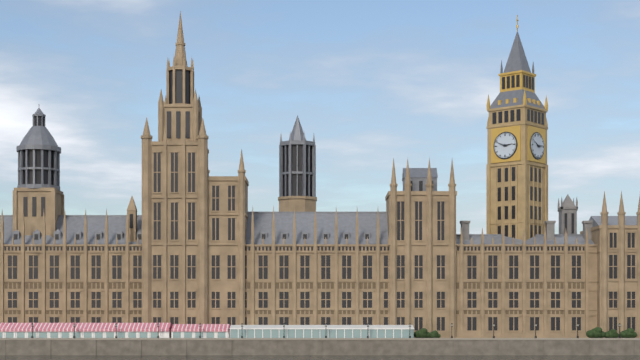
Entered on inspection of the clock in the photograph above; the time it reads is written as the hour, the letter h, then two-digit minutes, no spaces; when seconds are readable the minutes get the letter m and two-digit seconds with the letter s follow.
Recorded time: 2h49
